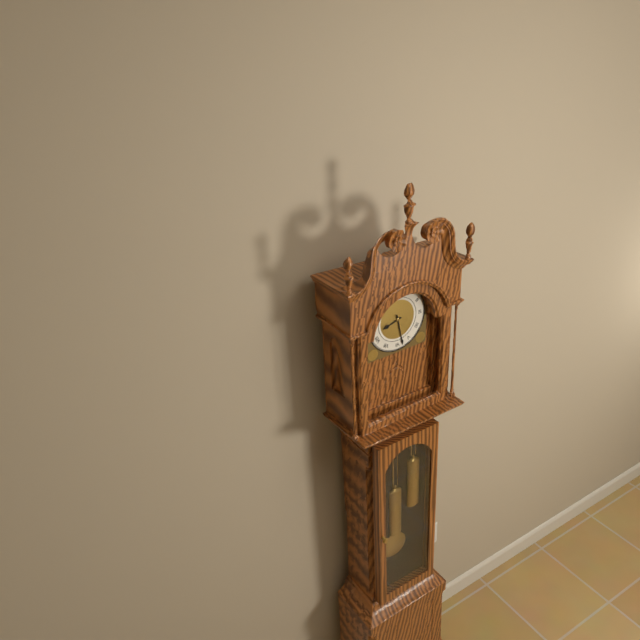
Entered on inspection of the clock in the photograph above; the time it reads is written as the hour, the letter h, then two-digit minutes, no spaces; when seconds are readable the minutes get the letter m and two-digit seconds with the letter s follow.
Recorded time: 8h28
